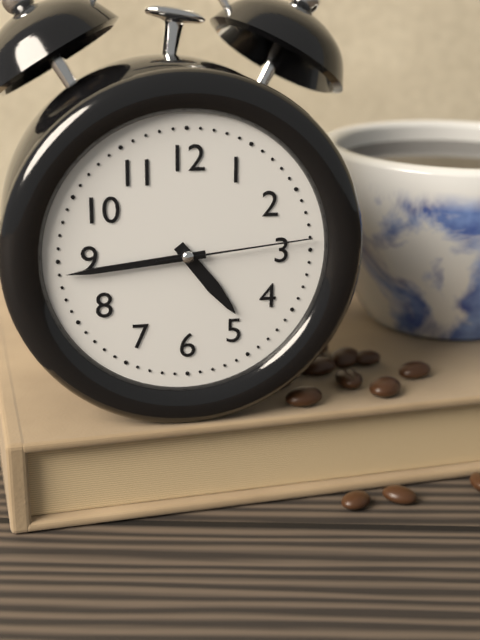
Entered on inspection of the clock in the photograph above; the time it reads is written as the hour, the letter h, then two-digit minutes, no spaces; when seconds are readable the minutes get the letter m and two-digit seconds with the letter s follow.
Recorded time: 4h44m14s
